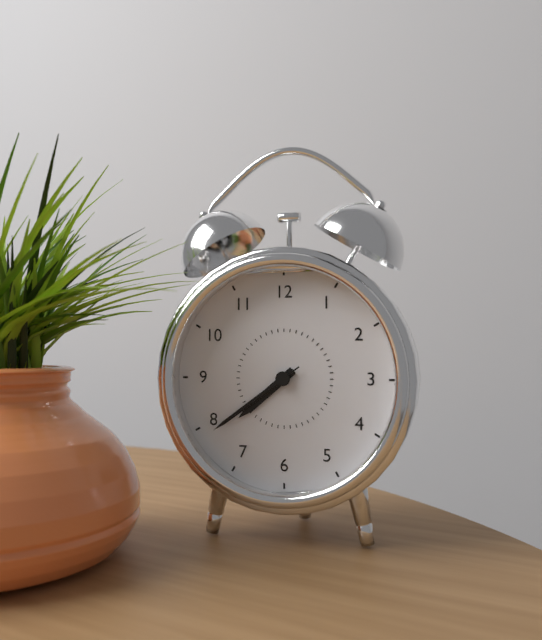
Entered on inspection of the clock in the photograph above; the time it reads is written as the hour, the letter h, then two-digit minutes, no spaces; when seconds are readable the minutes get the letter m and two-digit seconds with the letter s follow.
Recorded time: 7h39m39s
